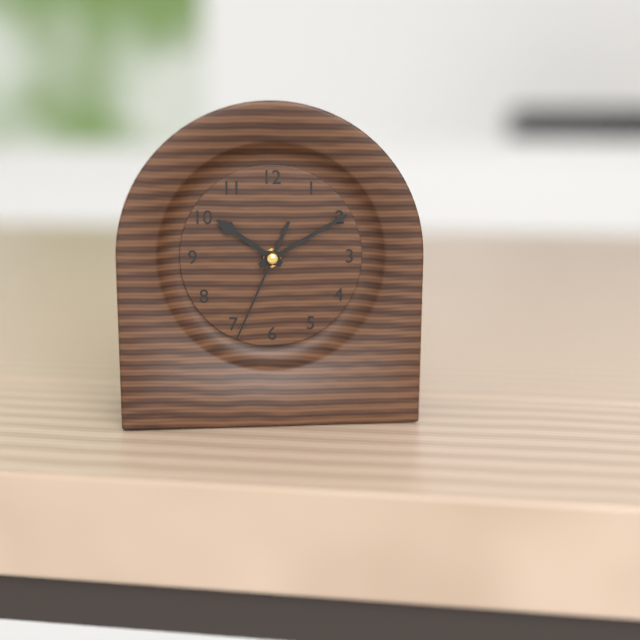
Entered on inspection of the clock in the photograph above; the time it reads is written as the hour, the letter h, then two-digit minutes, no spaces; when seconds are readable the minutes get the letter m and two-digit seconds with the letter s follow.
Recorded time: 10h10m34s
